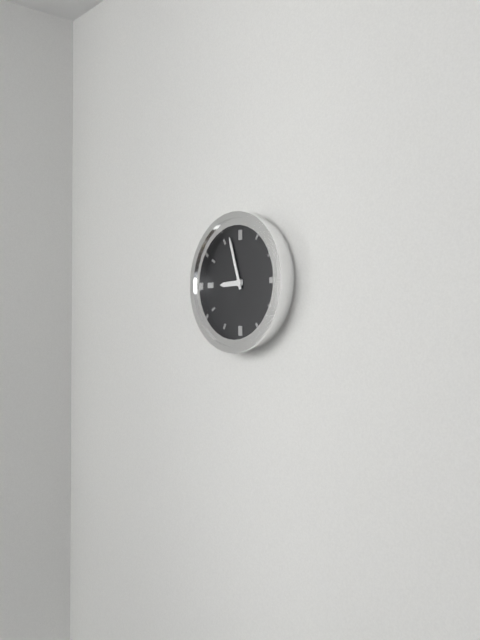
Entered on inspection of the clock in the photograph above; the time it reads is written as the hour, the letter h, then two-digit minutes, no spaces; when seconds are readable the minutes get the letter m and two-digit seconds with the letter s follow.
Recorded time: 8h57
